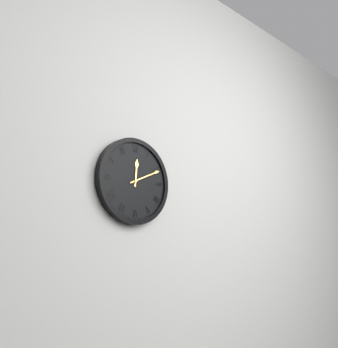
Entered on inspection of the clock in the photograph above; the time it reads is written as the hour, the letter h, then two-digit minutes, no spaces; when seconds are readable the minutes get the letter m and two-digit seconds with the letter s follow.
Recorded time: 12h11
